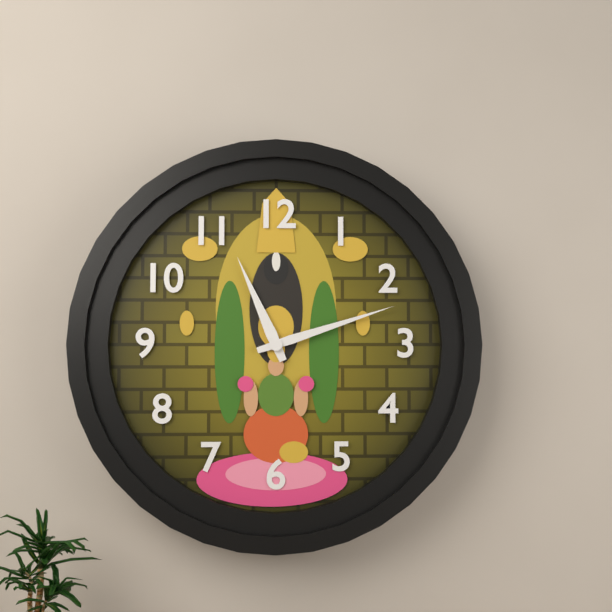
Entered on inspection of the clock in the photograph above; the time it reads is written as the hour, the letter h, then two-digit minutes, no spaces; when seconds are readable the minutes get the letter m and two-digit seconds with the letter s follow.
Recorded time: 11h12
